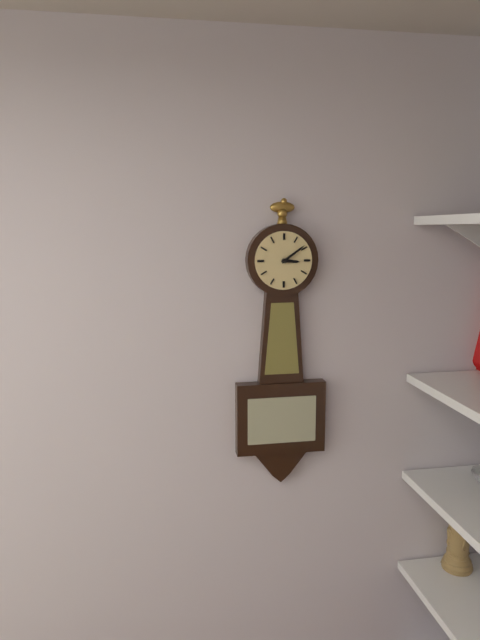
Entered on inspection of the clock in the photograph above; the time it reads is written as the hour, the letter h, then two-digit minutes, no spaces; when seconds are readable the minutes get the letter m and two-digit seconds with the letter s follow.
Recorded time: 3h09
